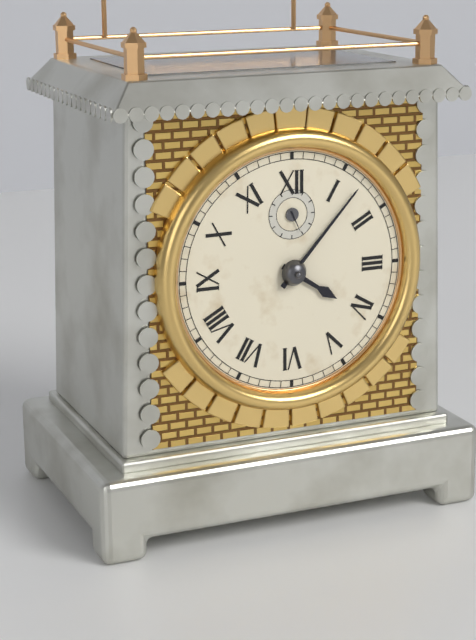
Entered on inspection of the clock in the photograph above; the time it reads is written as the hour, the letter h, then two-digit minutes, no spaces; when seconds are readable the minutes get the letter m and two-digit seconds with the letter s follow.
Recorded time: 4h07
